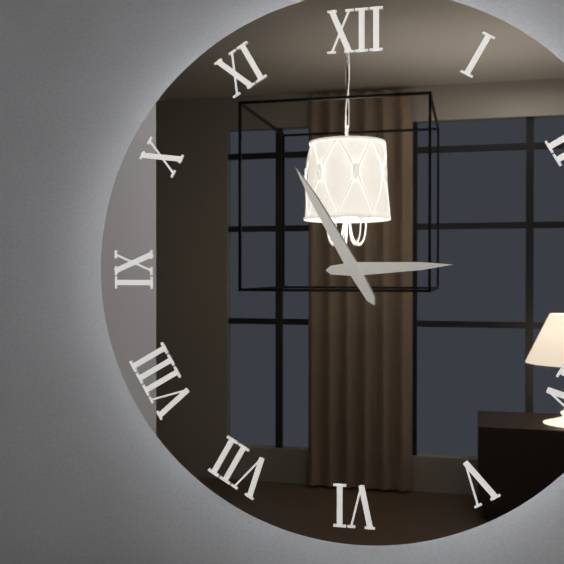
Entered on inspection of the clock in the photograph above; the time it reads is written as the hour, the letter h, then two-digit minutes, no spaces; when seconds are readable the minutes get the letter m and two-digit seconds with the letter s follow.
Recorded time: 2h55
